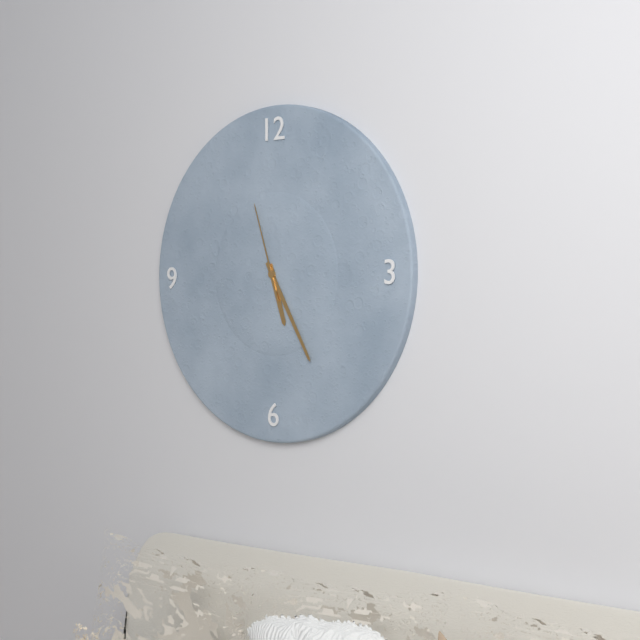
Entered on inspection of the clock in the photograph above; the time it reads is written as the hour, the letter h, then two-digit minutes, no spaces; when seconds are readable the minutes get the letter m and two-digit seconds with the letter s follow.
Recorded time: 5h25m57s
